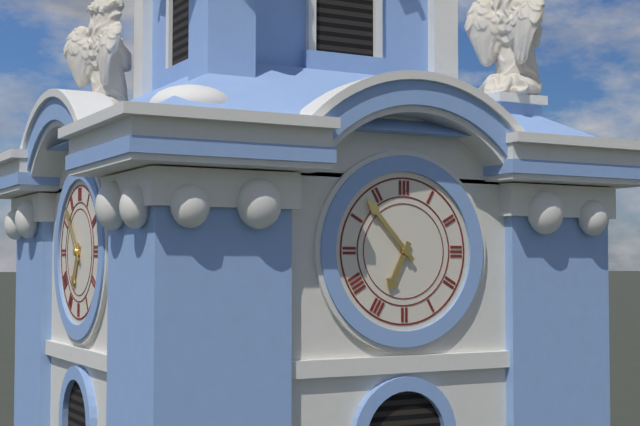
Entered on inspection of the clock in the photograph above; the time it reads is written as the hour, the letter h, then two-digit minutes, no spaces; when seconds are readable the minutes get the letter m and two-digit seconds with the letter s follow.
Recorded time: 6h53
